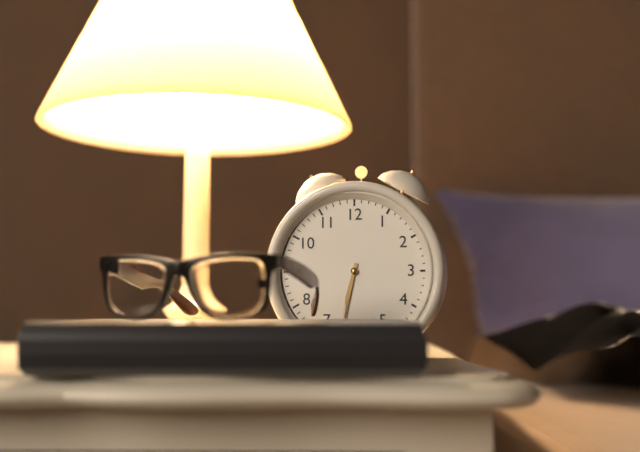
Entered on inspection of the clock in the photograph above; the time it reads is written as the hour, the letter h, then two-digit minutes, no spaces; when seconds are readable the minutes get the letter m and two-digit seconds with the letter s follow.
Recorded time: 6h32
